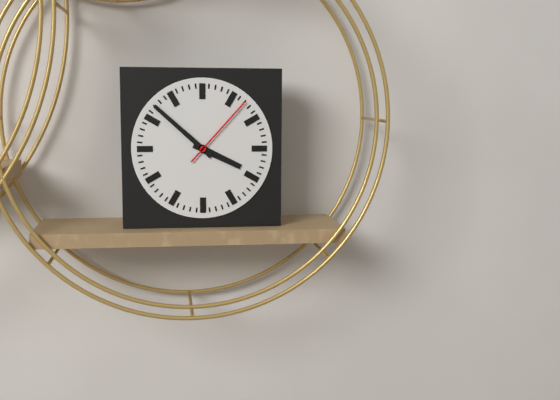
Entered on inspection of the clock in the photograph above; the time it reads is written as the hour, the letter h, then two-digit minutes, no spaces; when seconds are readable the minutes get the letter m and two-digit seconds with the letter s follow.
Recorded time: 3h52m07s
